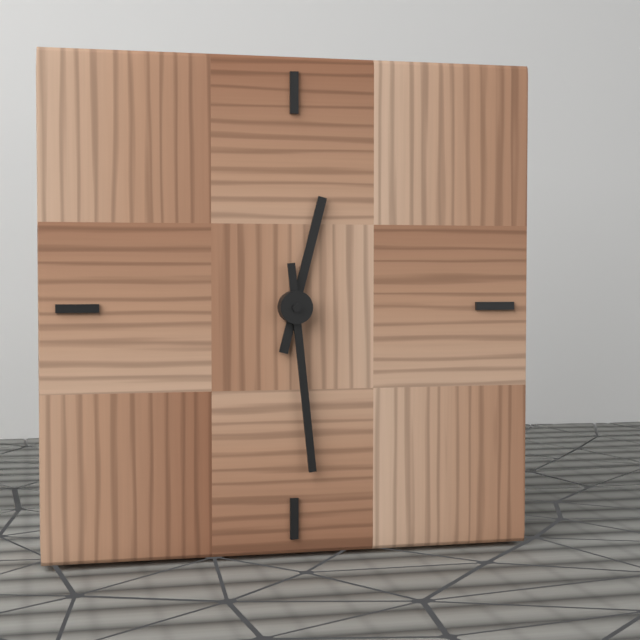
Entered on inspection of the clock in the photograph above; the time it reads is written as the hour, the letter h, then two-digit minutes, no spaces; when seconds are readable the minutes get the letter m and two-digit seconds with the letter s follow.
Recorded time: 12h29
